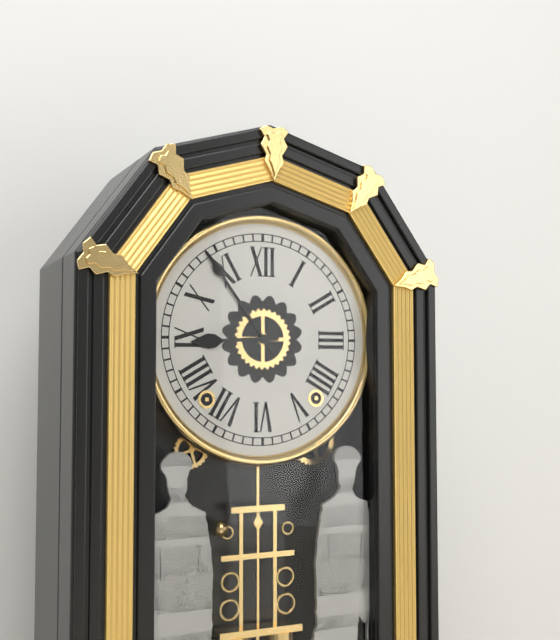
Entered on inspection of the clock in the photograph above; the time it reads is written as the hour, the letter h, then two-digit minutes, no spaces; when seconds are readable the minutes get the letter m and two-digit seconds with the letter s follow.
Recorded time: 8h54
